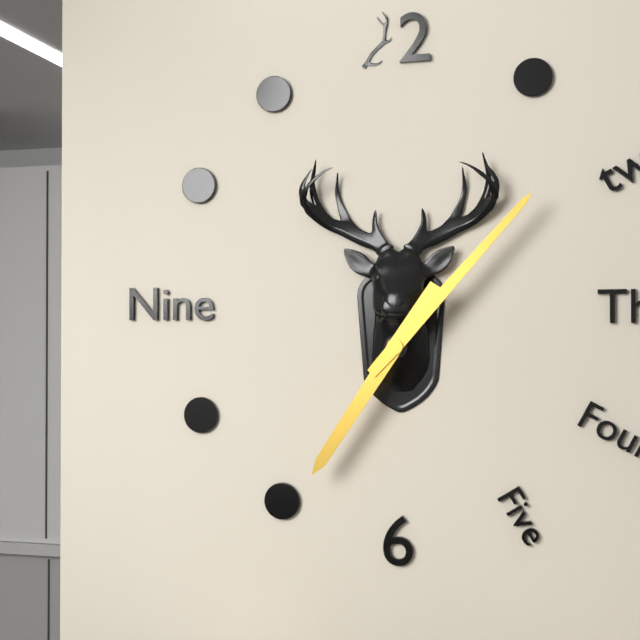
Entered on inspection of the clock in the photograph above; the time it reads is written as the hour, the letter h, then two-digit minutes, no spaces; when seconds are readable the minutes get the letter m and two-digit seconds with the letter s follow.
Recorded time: 7h07
